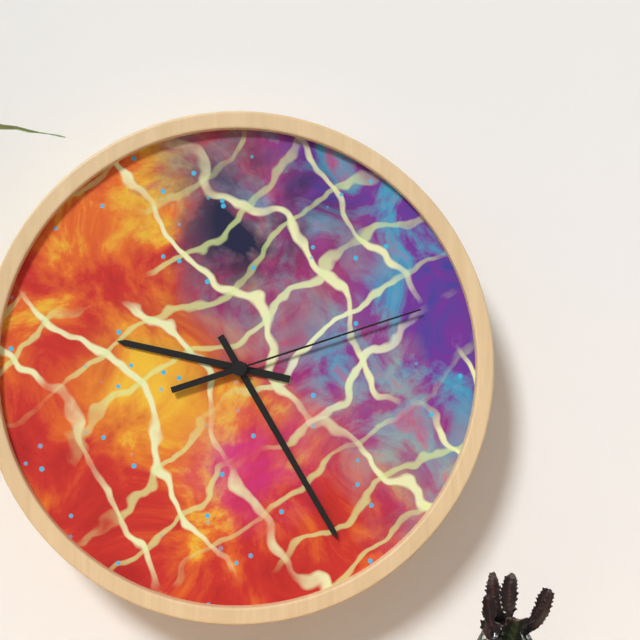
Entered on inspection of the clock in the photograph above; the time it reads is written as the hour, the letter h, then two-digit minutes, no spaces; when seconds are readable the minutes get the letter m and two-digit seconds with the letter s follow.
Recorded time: 9h25m12s
